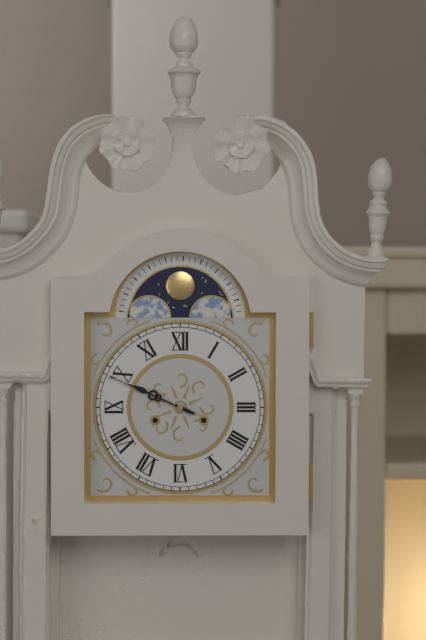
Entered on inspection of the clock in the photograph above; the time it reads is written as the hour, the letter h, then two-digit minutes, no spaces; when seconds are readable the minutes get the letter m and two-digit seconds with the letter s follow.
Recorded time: 9h49
